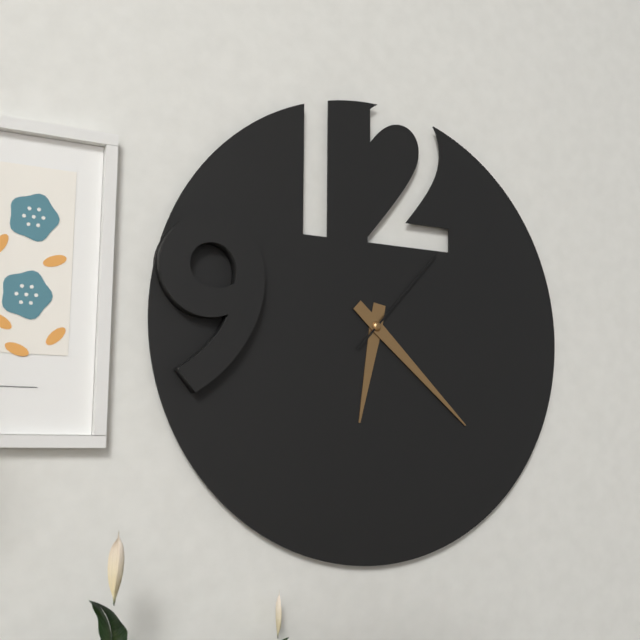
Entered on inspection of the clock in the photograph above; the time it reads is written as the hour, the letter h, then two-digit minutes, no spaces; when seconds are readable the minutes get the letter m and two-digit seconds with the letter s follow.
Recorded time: 6h22m07s
